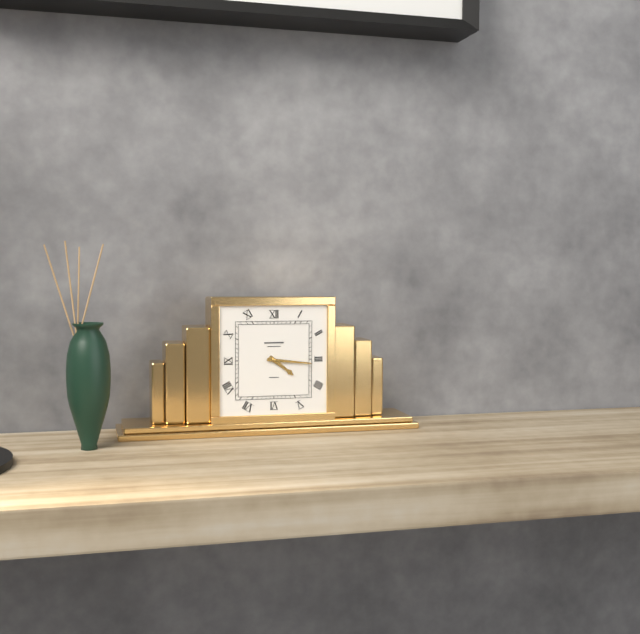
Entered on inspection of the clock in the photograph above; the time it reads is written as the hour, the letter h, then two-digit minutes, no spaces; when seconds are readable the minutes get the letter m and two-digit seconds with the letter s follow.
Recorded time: 4h16
